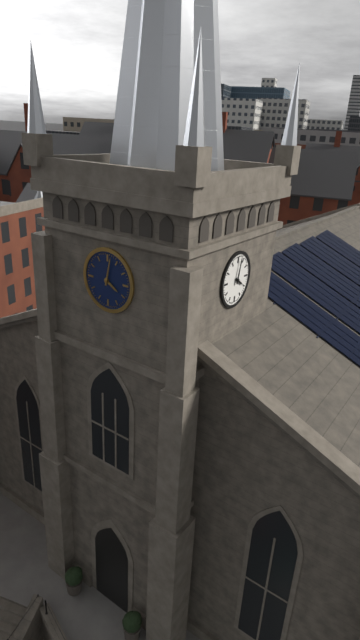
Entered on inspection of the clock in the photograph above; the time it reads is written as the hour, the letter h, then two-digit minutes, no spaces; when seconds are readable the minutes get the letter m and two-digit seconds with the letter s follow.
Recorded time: 4h02
